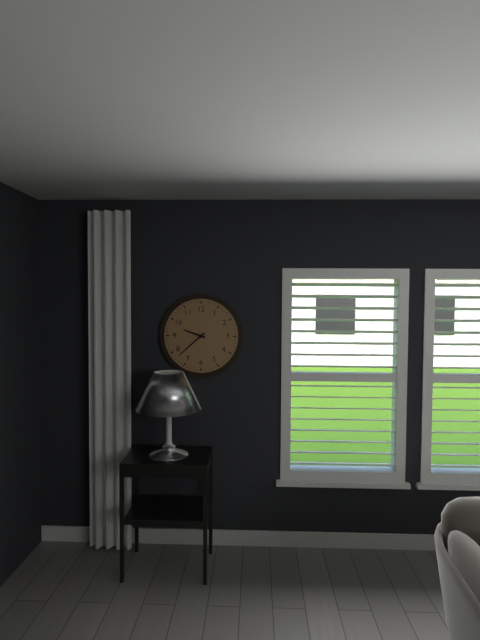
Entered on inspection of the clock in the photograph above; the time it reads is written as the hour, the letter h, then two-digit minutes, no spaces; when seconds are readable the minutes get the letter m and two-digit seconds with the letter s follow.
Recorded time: 9h38
